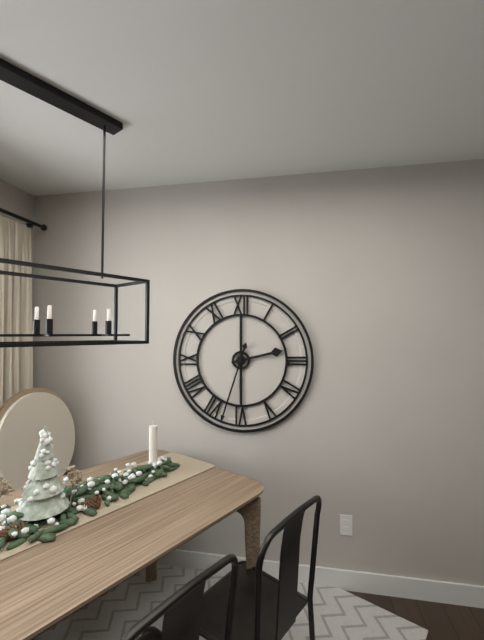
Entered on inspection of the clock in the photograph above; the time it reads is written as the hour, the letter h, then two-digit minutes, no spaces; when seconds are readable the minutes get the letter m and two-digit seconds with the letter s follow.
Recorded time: 2h33
